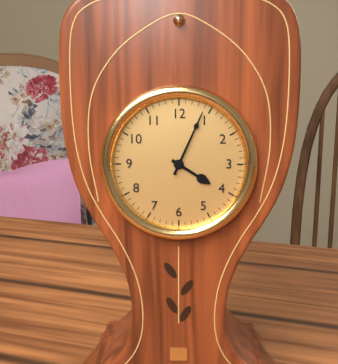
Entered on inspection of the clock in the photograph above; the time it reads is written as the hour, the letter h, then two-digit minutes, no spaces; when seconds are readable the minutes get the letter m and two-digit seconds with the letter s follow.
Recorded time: 4h04
